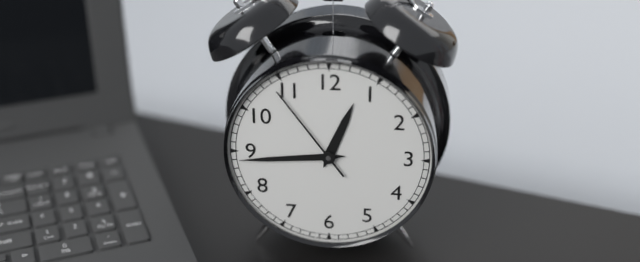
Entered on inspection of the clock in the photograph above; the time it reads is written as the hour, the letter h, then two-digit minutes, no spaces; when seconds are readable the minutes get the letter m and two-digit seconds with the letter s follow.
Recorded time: 12h44m54s
